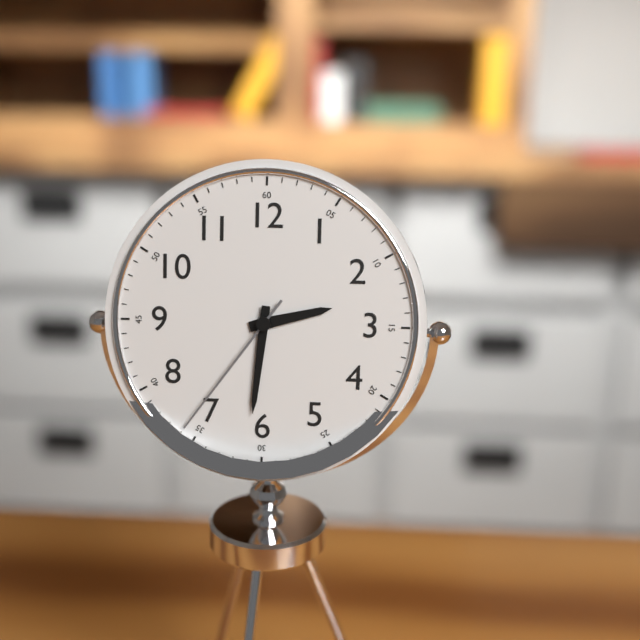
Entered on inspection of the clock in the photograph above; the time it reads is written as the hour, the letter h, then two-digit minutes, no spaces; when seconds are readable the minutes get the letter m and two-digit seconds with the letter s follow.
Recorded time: 2h31m36s
